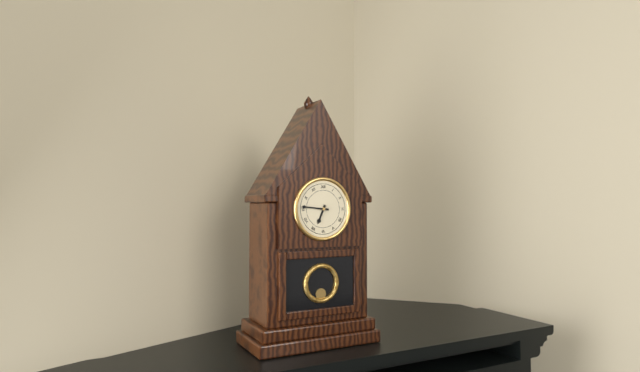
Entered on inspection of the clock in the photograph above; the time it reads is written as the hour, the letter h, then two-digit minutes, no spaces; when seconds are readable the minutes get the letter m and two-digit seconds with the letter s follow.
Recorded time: 6h46
